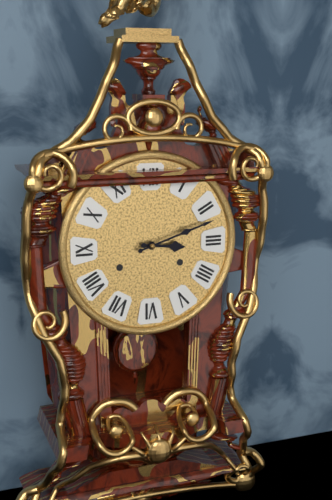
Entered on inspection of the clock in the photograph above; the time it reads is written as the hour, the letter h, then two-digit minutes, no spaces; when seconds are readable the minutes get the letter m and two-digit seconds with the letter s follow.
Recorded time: 3h12
